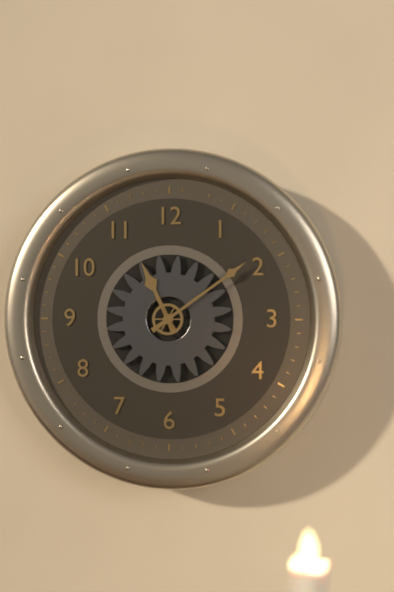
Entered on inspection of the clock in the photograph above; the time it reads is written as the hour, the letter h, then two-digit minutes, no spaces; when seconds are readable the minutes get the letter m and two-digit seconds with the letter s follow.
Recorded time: 11h09
